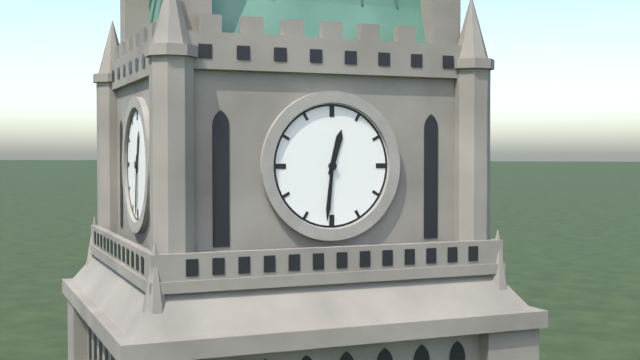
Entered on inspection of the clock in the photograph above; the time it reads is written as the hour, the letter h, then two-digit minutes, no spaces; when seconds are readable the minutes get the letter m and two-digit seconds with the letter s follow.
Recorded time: 12h31
